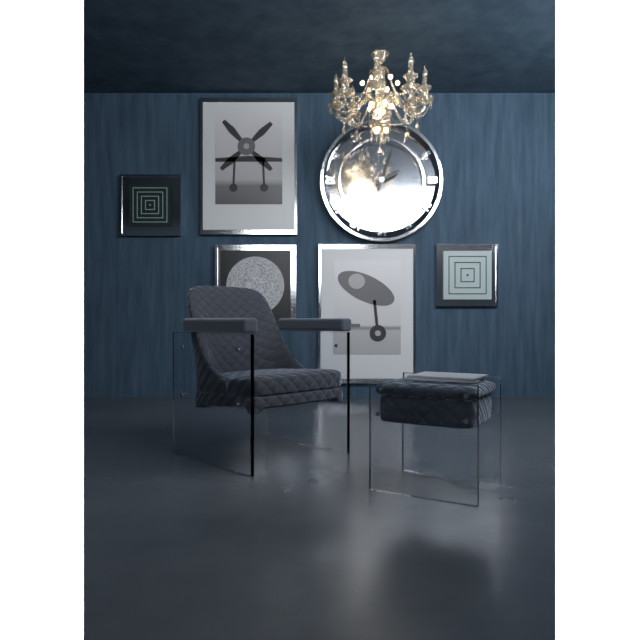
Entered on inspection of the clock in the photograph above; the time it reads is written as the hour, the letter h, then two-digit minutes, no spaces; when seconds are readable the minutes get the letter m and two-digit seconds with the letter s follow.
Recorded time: 2h03
